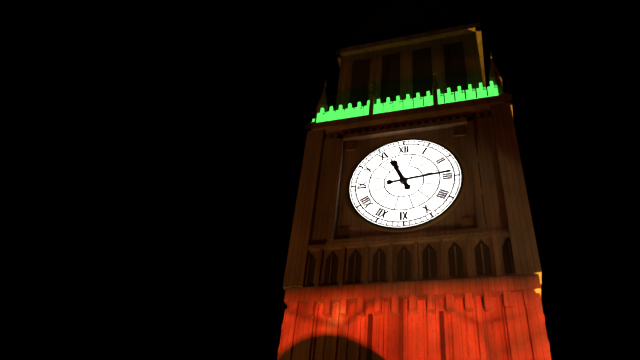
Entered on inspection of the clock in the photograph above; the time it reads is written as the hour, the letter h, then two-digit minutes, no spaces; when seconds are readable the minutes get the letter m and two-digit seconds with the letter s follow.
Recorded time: 11h14
